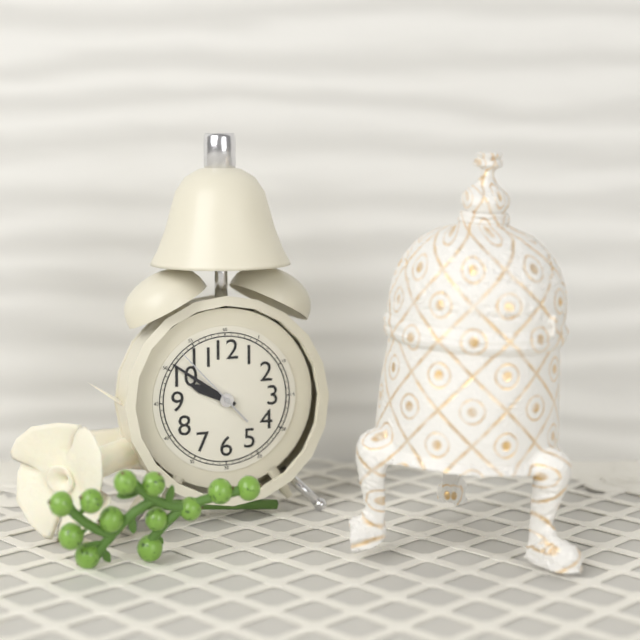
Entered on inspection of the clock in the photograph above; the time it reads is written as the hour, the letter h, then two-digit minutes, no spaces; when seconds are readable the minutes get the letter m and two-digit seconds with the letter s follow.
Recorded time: 9h51m53s
